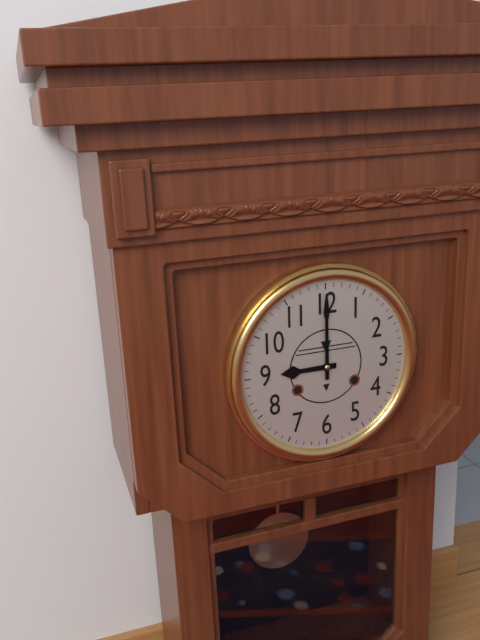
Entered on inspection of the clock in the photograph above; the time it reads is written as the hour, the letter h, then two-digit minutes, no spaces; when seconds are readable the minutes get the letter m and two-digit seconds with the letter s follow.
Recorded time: 9h00
